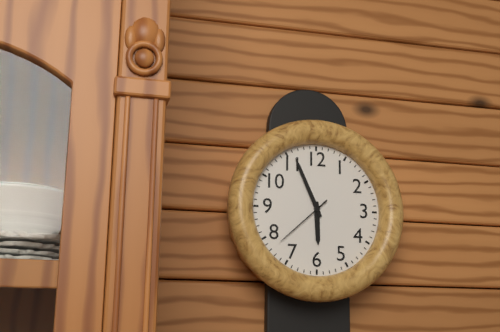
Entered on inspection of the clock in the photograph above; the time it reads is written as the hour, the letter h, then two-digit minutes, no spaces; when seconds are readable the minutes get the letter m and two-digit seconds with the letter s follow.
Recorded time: 5h56m38s
